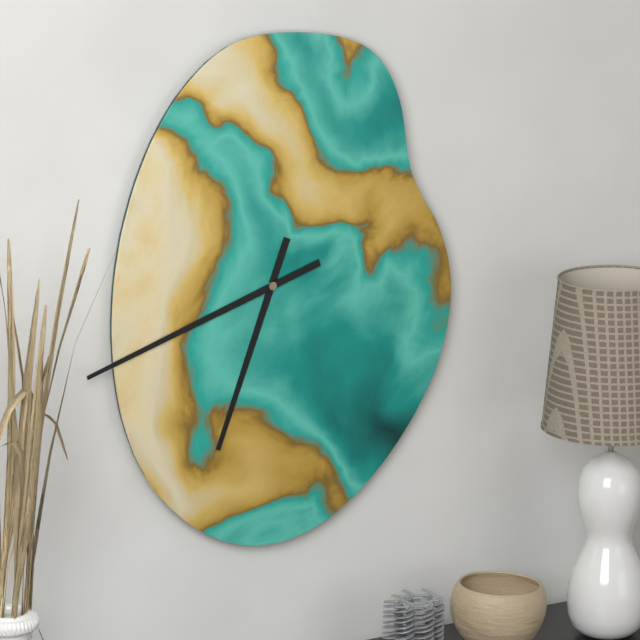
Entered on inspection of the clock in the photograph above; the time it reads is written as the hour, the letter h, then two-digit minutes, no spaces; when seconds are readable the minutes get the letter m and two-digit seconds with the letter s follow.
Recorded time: 6h42
